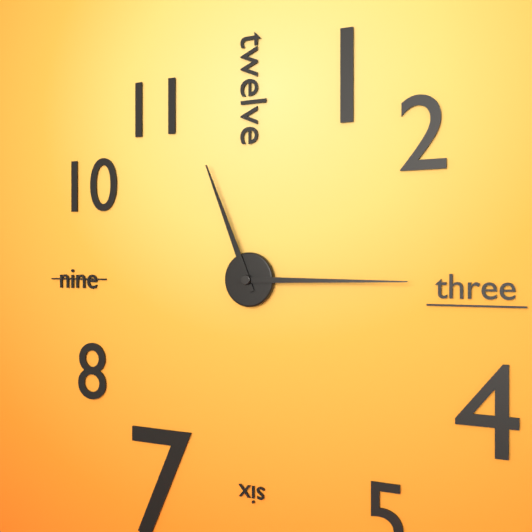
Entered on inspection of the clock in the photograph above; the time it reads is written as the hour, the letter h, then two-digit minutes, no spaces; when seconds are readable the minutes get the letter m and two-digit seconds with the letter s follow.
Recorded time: 11h15
